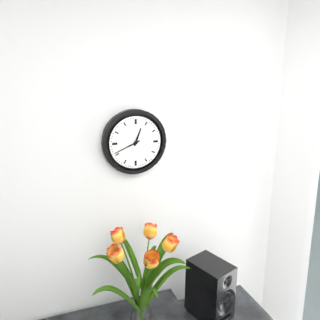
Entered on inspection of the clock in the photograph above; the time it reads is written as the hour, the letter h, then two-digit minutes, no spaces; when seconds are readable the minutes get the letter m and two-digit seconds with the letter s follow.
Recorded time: 12h41
